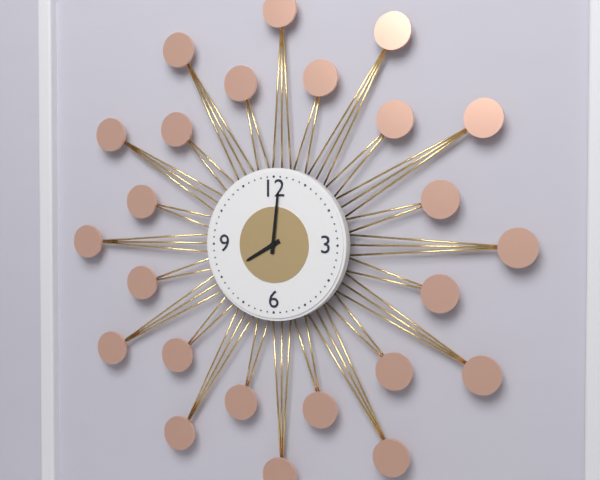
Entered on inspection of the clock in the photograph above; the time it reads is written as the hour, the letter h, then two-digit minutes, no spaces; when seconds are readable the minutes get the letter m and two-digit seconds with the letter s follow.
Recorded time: 8h01
